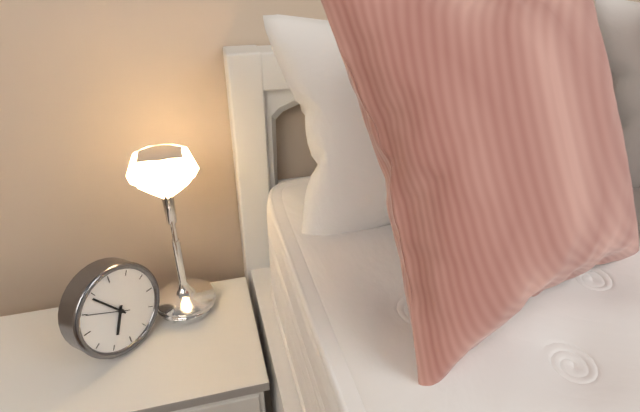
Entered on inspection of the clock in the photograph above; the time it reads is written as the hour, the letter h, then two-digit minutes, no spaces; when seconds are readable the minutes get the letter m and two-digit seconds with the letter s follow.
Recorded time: 6h54
